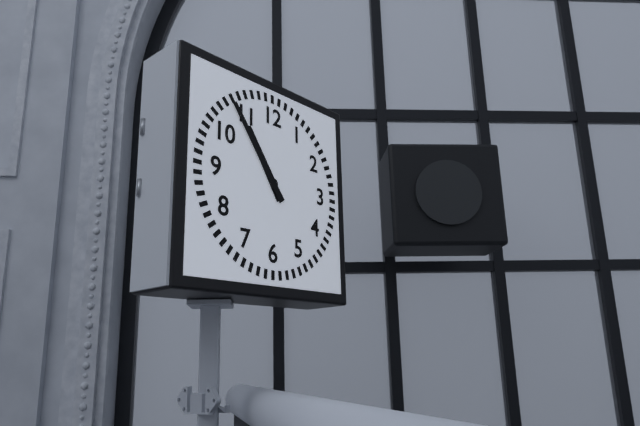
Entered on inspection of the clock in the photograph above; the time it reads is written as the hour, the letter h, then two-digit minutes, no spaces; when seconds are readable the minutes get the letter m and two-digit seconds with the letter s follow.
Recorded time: 10h54
